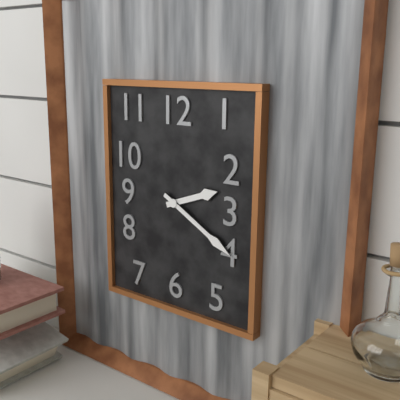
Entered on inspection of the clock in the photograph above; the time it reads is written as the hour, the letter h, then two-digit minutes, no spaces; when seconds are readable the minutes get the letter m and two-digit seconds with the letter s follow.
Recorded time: 2h20
